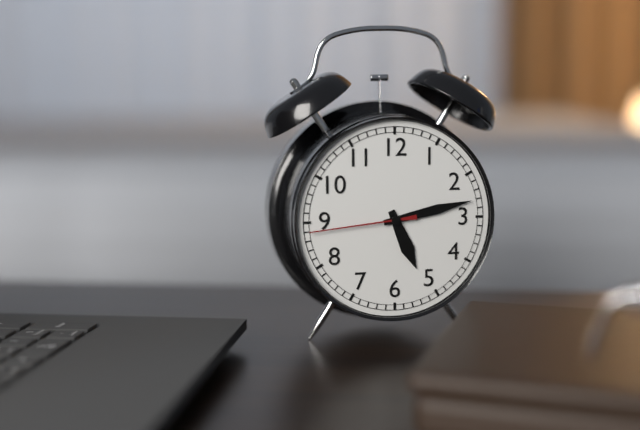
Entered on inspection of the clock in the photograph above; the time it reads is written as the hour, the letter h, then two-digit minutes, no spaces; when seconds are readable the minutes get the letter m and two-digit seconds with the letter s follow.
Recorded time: 5h13m44s
